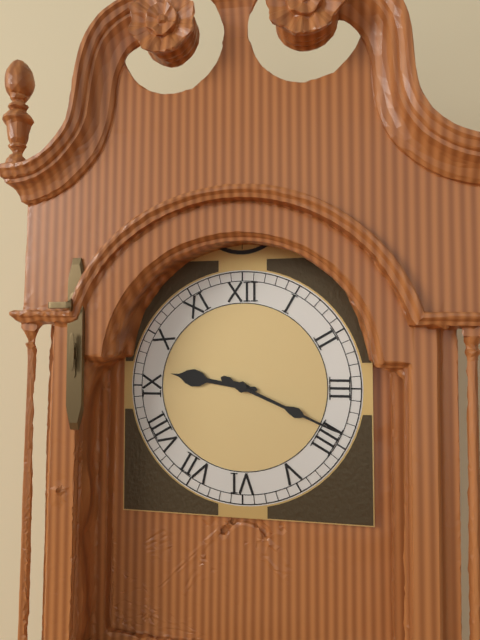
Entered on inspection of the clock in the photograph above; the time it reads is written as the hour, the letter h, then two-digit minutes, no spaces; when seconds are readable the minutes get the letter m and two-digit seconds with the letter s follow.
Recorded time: 9h19
